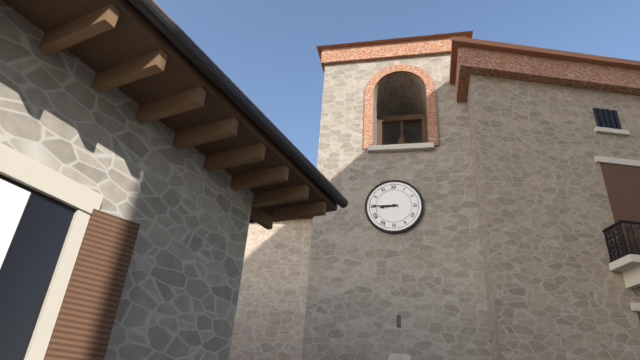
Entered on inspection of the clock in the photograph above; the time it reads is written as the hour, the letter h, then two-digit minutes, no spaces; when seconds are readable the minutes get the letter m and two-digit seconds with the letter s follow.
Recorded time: 8h45
